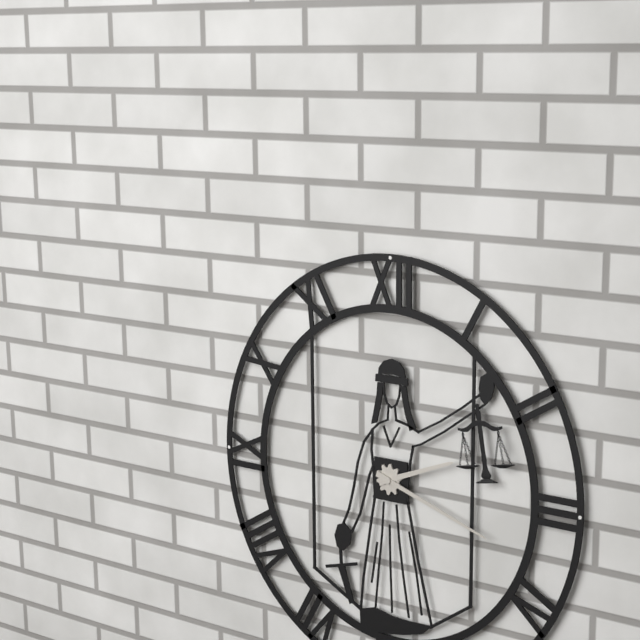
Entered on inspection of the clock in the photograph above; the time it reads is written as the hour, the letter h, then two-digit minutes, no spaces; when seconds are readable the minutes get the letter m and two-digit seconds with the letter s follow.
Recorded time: 2h18
